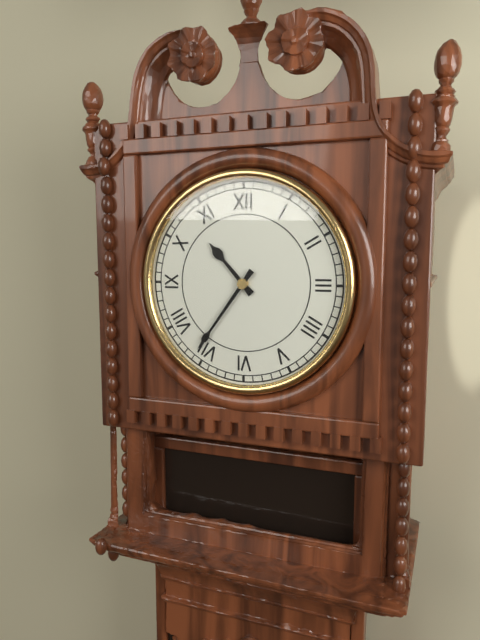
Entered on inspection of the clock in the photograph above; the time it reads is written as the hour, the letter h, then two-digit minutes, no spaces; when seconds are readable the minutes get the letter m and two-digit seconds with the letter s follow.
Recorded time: 10h36
